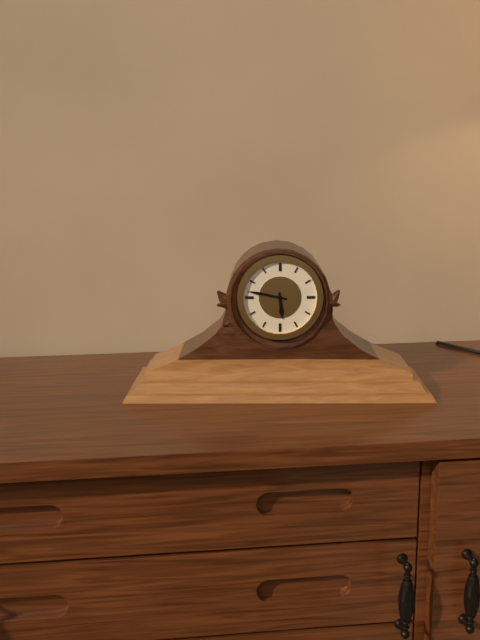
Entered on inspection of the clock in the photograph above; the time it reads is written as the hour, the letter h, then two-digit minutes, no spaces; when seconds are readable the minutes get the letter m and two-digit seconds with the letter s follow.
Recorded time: 5h47
